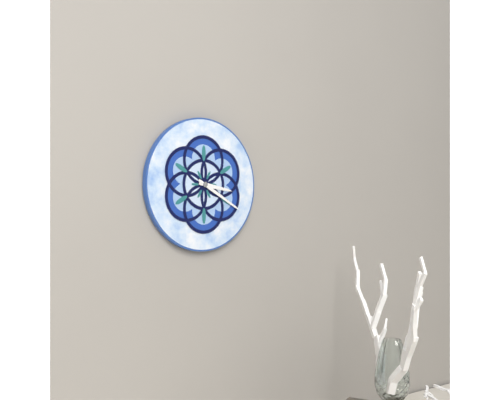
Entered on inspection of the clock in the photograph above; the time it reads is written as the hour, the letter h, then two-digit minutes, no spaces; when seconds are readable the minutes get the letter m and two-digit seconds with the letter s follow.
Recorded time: 3h20
